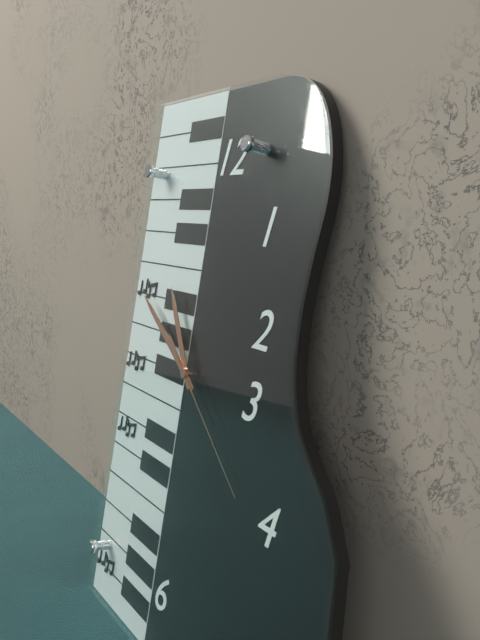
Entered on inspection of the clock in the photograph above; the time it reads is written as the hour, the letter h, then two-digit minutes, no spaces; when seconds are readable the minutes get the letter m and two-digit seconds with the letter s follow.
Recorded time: 10h50m21s
